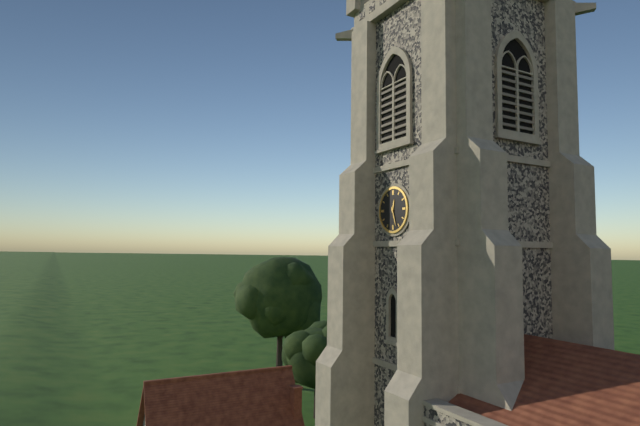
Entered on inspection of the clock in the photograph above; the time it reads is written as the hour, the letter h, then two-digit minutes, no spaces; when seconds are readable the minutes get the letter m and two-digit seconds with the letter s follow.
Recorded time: 12h27
